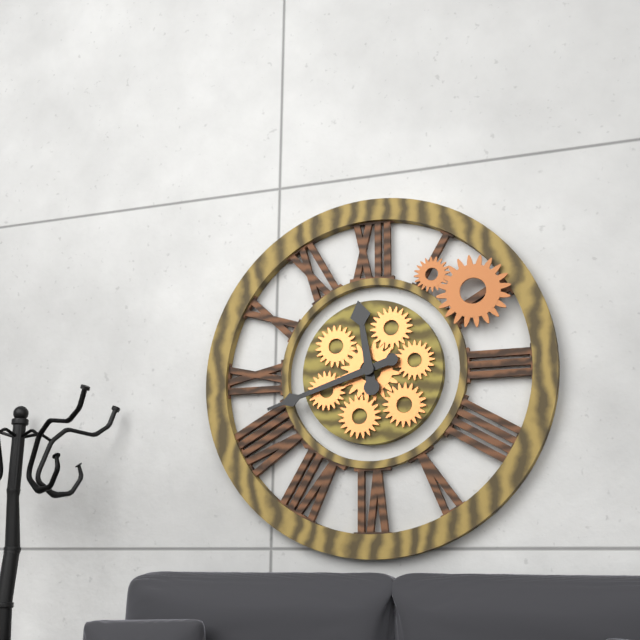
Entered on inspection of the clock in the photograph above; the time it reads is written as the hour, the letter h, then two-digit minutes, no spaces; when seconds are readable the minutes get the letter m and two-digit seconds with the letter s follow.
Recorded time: 11h42
